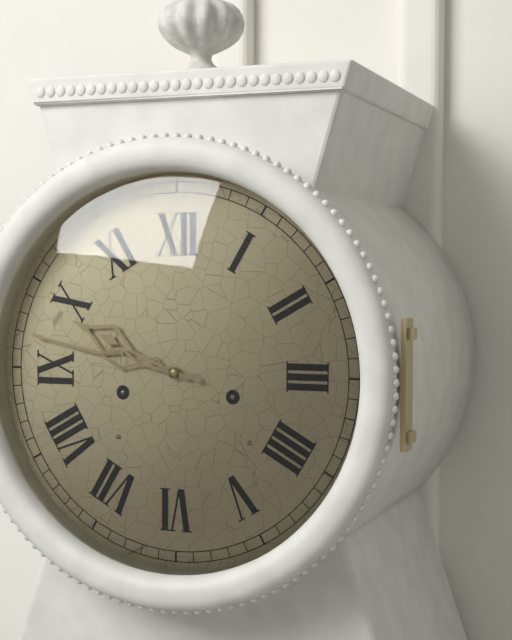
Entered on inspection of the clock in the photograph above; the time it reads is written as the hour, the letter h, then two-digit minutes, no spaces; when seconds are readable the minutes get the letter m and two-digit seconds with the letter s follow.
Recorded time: 9h47
